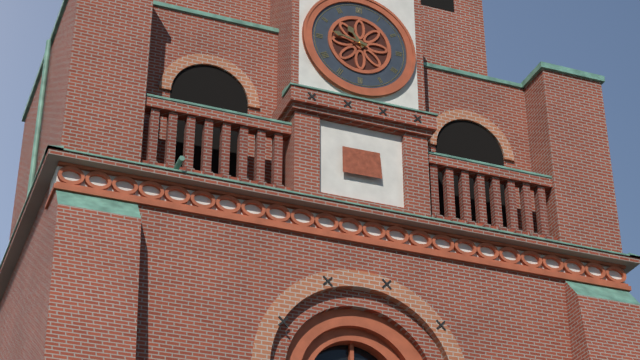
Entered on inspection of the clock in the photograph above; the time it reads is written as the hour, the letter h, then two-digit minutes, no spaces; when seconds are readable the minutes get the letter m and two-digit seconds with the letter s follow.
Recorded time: 10h47
